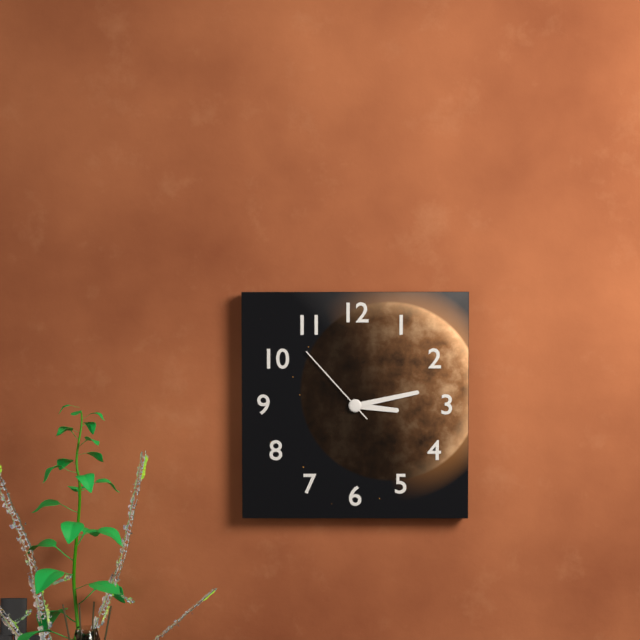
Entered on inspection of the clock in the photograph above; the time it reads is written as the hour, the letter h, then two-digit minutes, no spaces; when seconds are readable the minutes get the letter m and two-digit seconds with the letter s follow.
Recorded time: 3h13m53s
